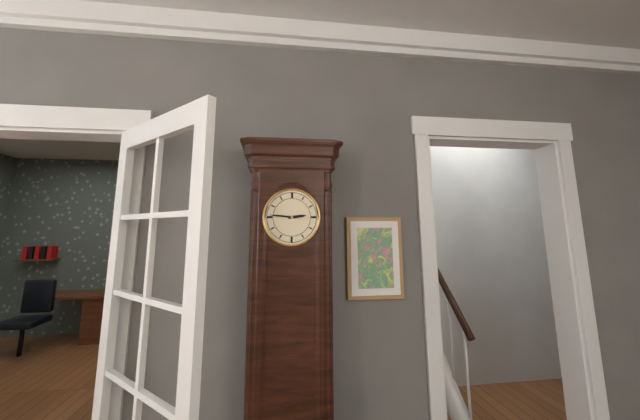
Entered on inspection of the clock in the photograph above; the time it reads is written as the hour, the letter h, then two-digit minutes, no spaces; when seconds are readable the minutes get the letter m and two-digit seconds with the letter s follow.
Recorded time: 2h46
